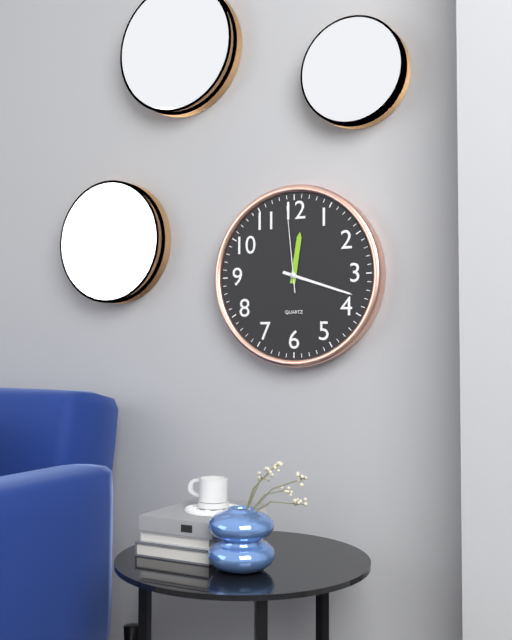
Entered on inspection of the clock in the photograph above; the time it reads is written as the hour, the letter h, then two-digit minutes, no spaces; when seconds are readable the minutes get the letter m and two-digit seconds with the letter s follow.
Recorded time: 12h18m59s
